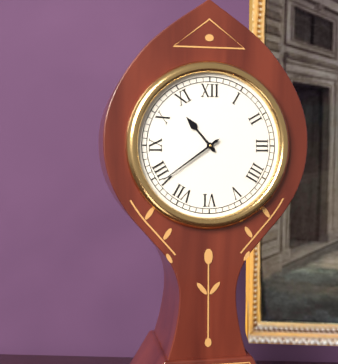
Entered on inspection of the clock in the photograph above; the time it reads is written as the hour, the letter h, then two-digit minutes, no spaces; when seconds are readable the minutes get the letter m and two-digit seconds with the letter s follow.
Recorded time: 10h39
